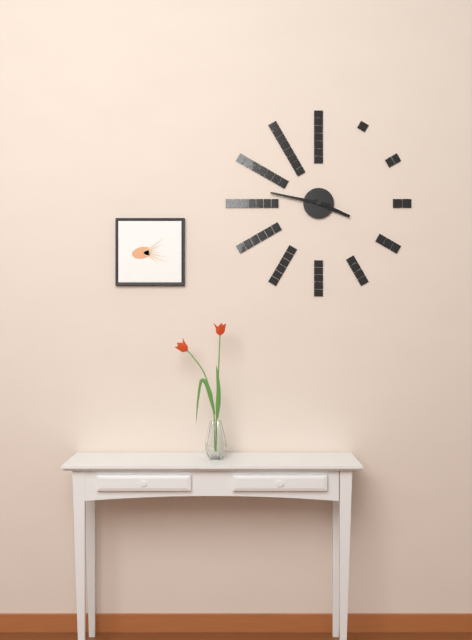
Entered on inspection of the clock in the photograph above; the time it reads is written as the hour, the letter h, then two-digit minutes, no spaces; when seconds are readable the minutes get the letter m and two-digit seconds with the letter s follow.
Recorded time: 3h47
